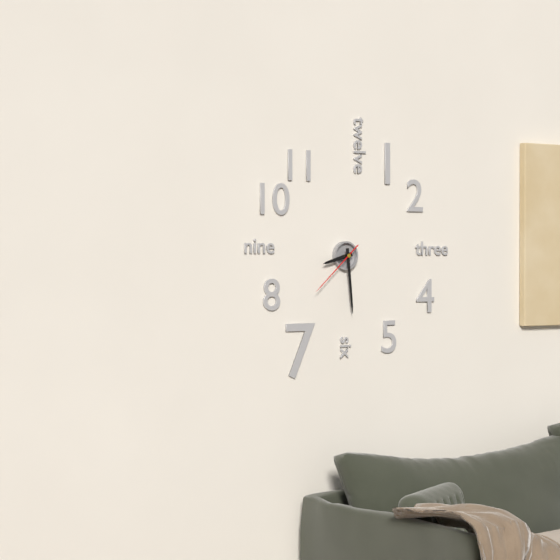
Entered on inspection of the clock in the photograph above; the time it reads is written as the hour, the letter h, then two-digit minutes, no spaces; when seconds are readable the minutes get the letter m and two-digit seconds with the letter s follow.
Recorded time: 8h29m38s
